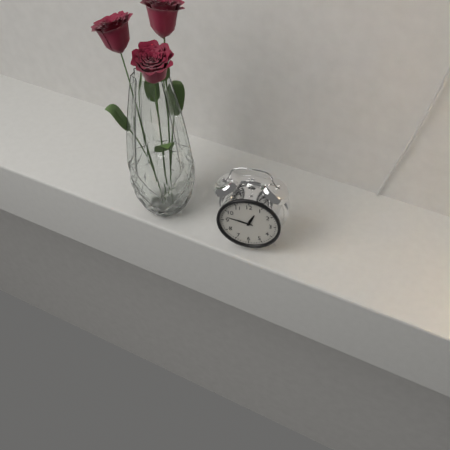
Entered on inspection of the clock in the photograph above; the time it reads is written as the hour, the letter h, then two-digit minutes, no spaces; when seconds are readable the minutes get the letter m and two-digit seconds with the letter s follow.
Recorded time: 12h47
